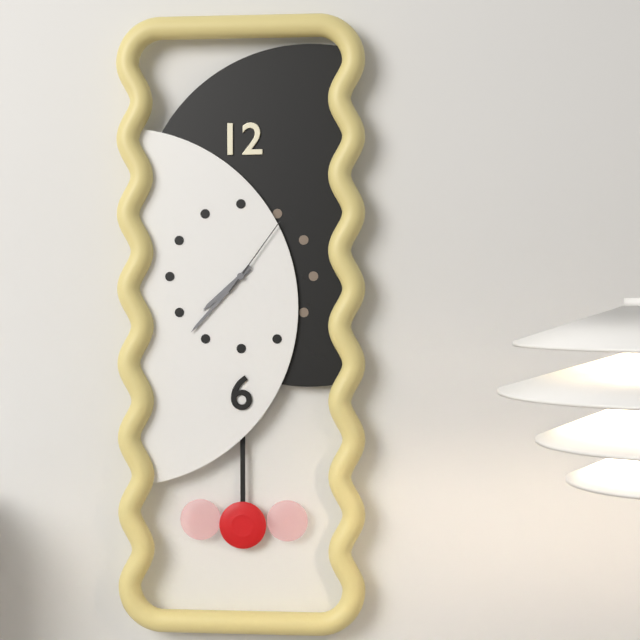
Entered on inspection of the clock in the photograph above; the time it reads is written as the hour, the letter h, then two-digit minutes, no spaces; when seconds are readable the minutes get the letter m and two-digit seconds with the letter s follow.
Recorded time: 7h37m06s
